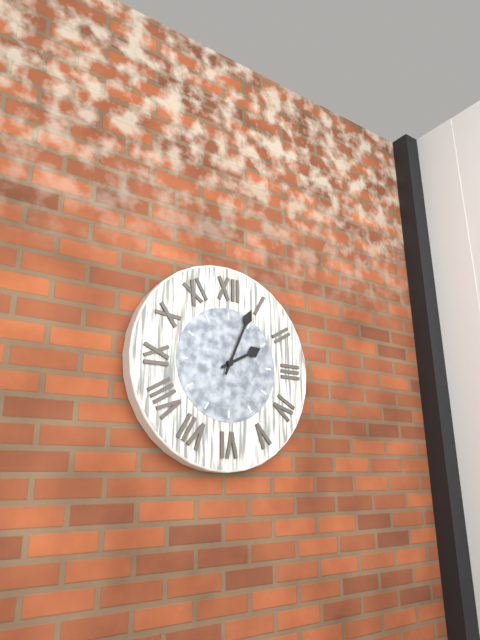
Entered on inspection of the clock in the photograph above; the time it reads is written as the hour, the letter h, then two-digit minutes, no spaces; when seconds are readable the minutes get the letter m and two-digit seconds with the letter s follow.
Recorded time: 2h04
